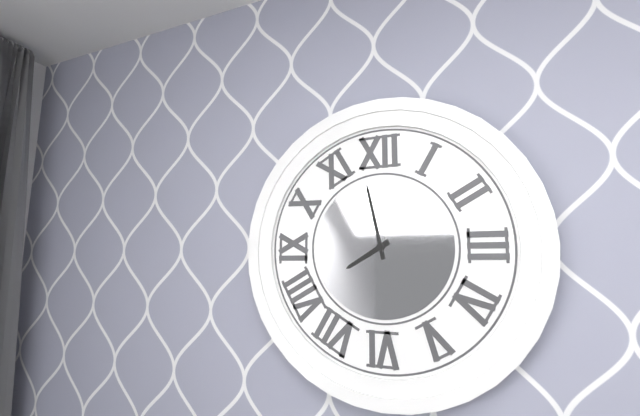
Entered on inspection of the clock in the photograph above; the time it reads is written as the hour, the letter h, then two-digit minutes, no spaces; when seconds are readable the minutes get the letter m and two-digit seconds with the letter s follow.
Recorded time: 7h58
